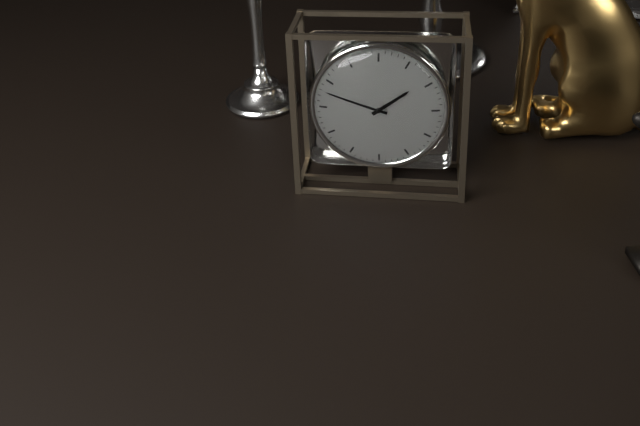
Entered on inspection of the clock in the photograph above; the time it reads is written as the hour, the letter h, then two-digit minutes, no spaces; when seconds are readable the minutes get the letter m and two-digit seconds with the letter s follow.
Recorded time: 1h48
